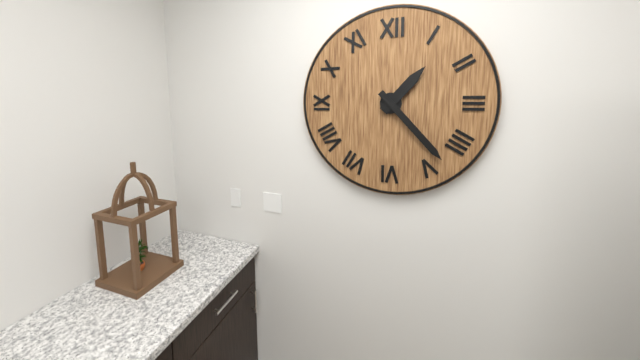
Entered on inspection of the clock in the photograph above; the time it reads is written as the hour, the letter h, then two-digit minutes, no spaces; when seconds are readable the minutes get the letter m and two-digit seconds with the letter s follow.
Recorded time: 1h23
